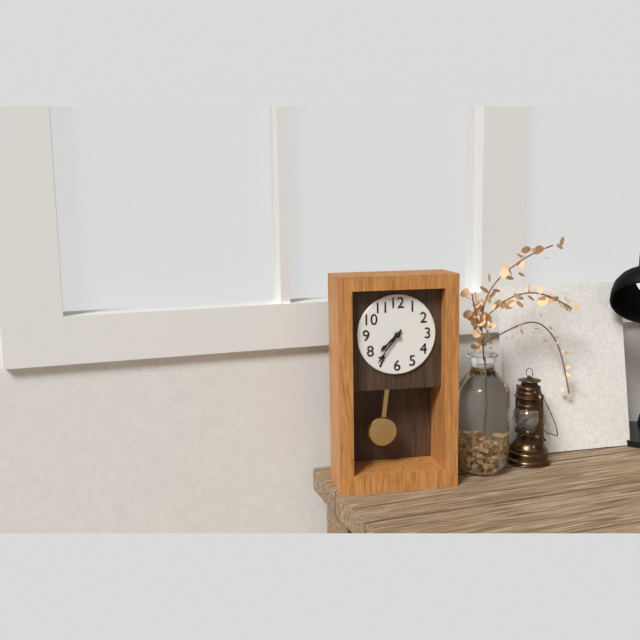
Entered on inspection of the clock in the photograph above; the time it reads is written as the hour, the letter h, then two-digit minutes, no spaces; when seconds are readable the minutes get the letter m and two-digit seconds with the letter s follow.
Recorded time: 7h36
